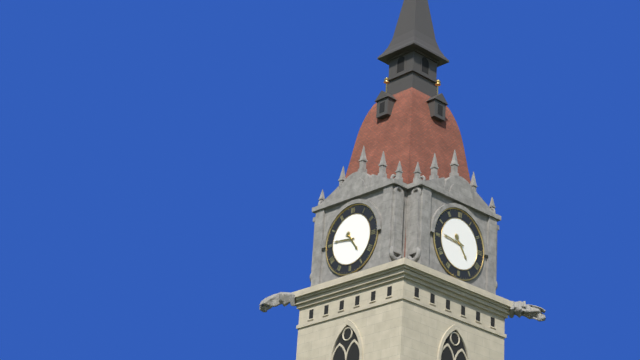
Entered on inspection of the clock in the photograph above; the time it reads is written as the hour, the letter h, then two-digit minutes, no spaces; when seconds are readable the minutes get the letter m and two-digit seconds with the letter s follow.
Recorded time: 4h46
